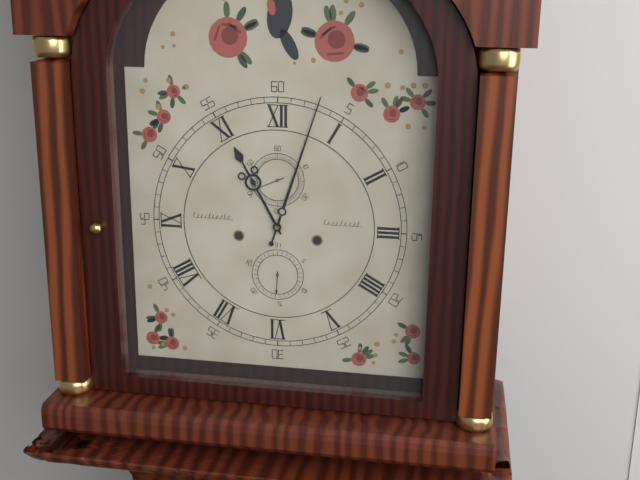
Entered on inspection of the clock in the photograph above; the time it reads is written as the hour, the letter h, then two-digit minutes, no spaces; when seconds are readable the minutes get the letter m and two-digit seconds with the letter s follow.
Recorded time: 11h03
